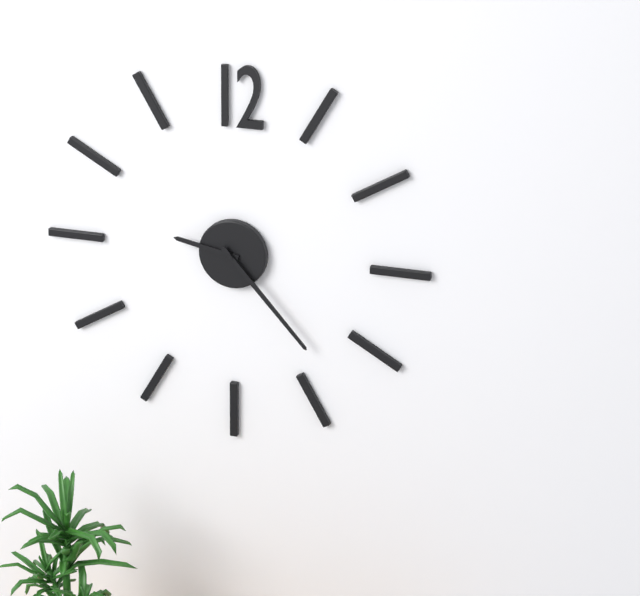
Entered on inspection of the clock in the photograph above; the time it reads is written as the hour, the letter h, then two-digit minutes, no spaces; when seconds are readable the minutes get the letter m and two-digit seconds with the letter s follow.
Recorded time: 9h23
